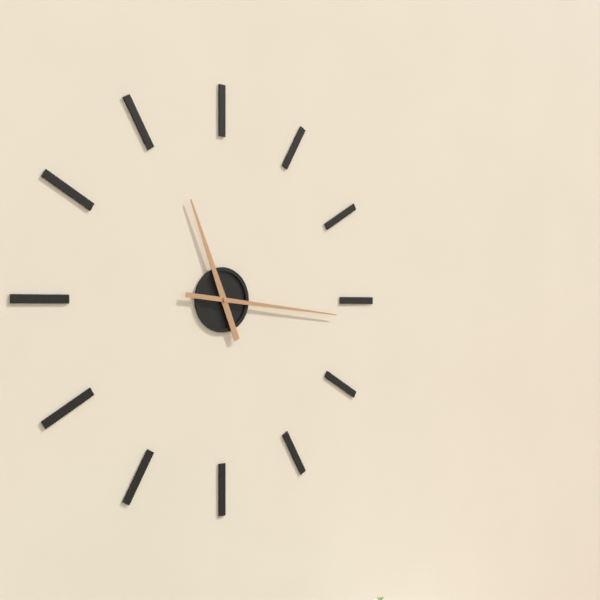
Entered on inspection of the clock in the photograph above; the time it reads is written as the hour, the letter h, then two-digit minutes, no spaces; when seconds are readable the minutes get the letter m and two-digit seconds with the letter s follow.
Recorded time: 11h16
